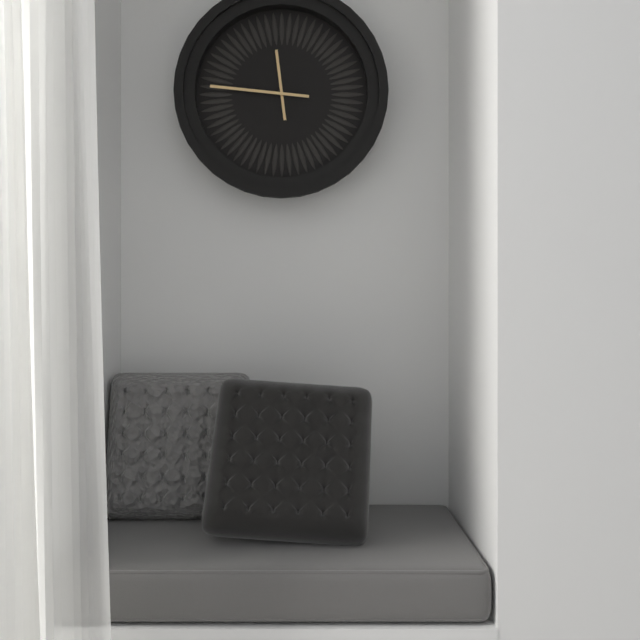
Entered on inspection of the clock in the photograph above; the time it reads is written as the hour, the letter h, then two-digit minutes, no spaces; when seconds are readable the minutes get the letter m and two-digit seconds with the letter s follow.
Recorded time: 11h46
